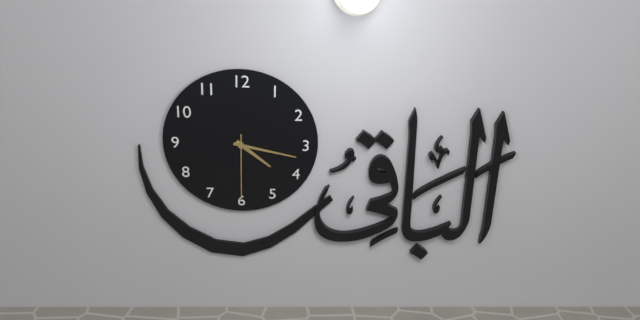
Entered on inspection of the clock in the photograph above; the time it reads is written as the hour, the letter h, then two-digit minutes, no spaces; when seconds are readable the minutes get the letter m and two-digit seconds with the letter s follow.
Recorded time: 4h17m30s
